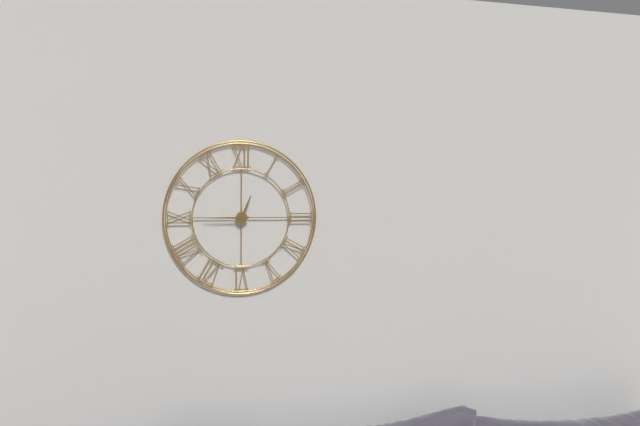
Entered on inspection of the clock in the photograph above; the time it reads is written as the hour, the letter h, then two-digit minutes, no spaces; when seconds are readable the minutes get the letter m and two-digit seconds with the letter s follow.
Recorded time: 12h45
